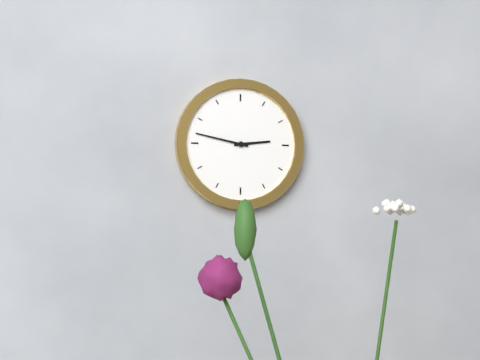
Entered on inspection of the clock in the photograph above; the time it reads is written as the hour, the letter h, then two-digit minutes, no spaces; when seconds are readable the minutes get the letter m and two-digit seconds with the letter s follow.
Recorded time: 2h47
